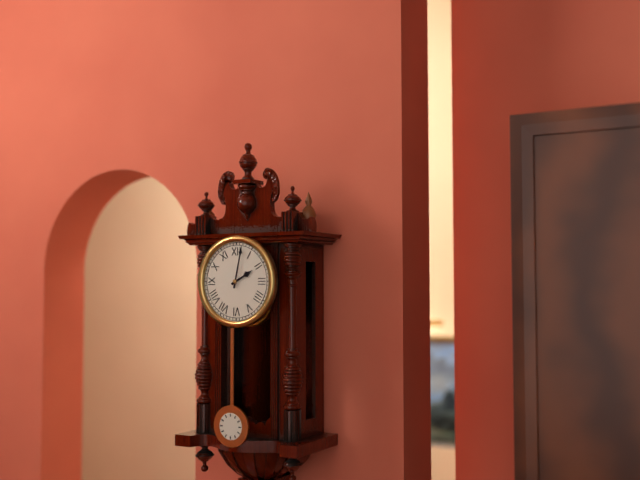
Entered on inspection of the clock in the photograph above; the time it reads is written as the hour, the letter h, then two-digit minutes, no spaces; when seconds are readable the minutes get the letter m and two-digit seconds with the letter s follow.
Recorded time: 2h02
